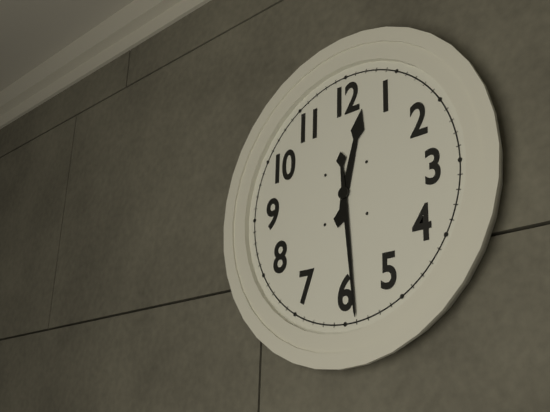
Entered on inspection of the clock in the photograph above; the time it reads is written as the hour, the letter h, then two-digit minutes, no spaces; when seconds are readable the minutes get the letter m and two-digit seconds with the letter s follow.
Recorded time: 12h29
